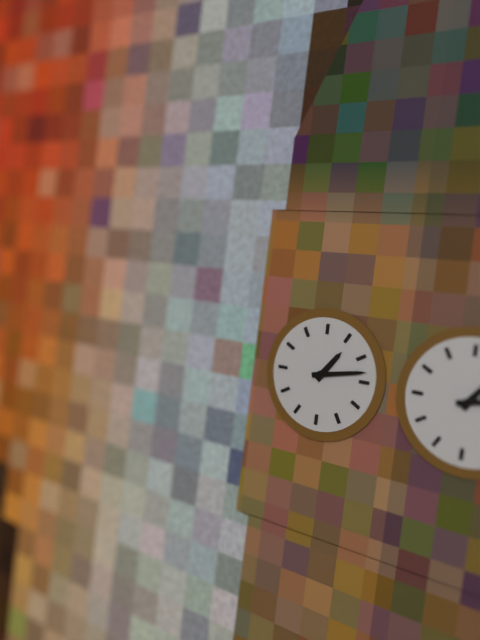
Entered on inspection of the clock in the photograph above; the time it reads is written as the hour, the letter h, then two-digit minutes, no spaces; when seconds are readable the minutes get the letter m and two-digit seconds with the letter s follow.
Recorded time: 1h13
